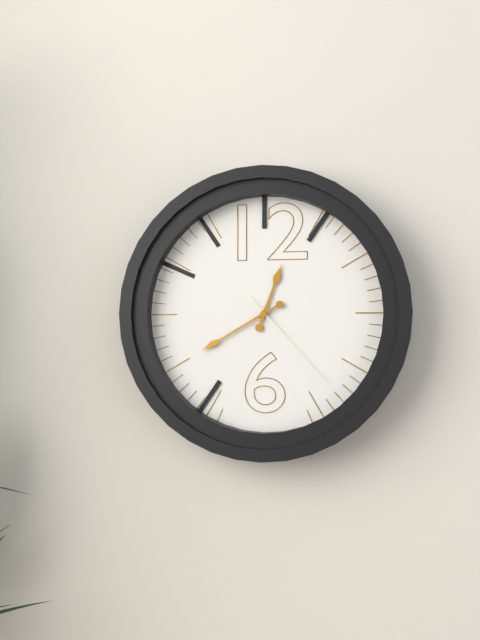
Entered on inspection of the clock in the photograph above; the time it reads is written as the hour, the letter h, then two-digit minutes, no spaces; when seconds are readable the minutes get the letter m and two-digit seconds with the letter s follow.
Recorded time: 12h40m23s
